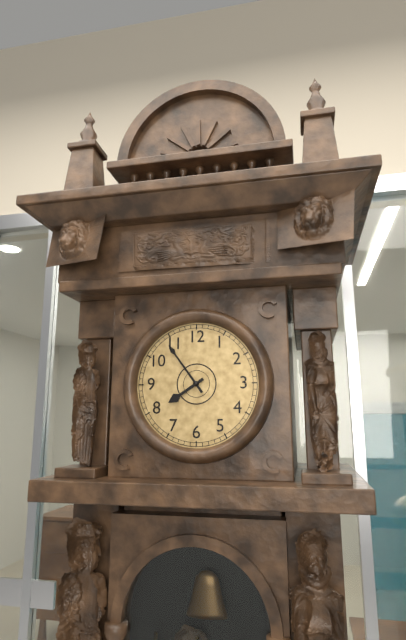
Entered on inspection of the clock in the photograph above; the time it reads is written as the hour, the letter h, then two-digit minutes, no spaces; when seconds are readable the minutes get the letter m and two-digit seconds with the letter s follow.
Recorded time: 7h54
